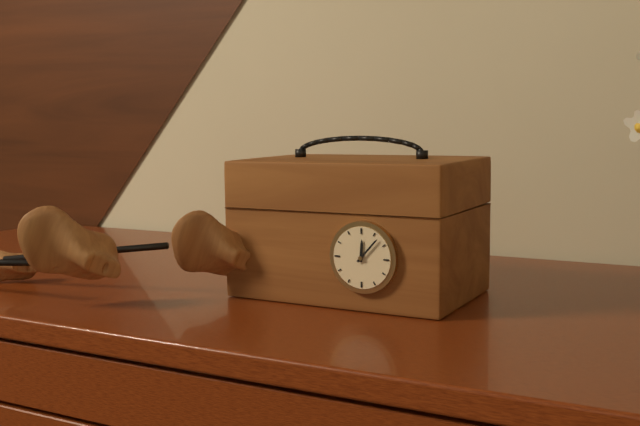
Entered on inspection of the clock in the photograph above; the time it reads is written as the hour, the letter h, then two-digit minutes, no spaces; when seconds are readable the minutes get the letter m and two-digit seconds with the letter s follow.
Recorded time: 12h07
